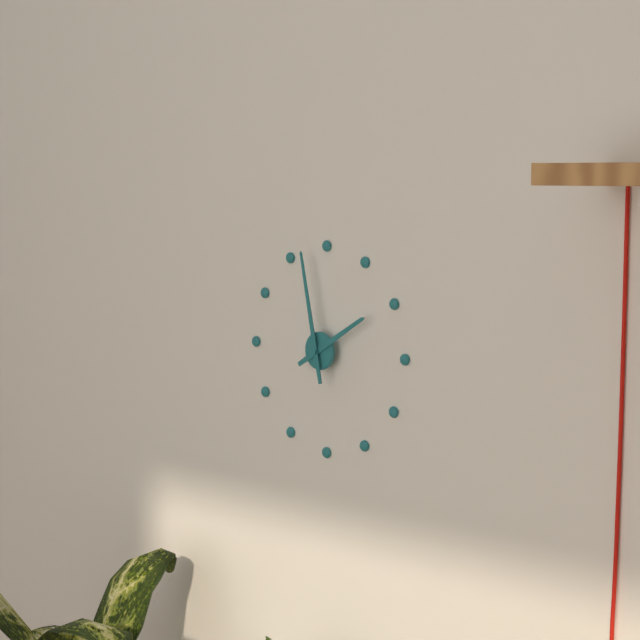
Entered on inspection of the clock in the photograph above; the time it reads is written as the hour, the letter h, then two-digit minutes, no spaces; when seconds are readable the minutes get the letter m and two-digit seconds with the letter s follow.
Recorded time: 1h58
